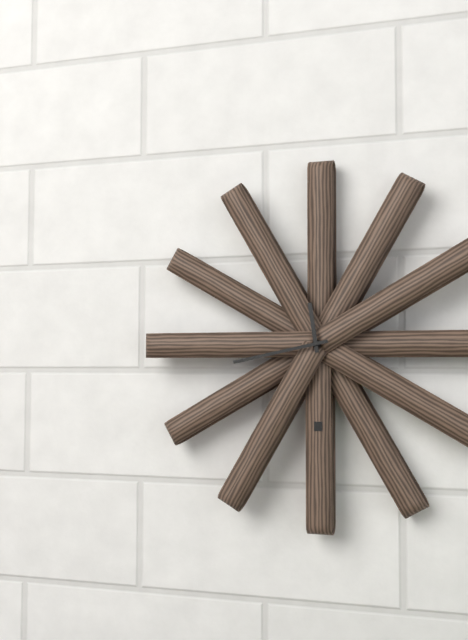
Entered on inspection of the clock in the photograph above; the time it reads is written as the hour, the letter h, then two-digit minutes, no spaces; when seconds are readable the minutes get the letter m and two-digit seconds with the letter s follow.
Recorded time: 11h43
